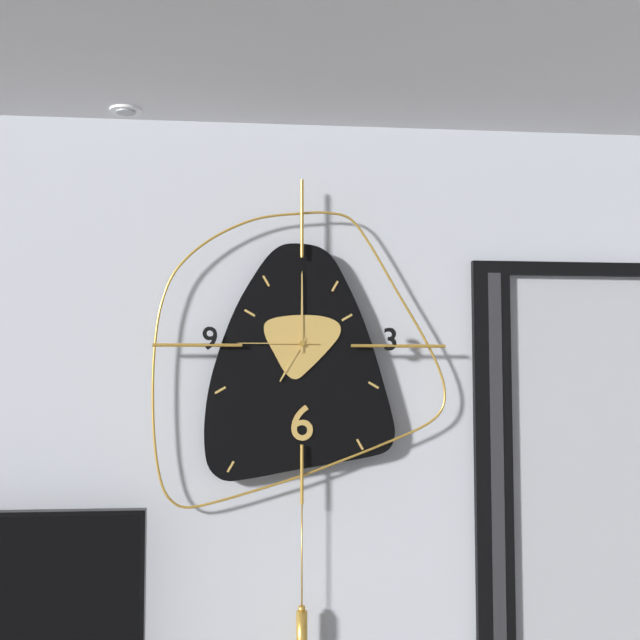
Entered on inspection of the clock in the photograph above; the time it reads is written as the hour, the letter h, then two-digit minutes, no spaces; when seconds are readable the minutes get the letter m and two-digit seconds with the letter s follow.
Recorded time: 7h00m45s
